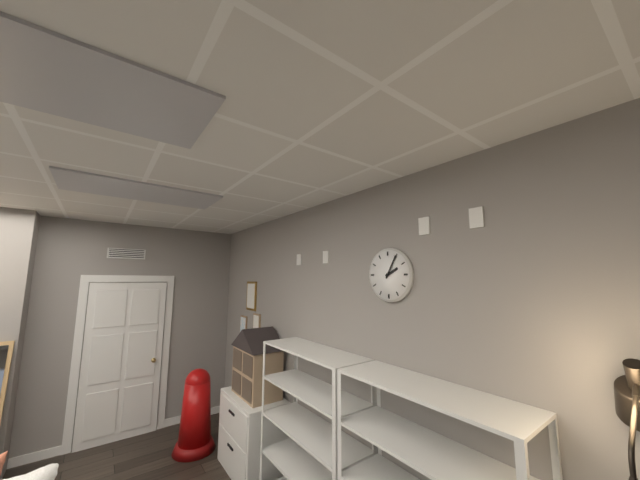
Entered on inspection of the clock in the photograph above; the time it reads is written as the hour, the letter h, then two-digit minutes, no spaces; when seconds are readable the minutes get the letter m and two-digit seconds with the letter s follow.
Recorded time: 2h05
